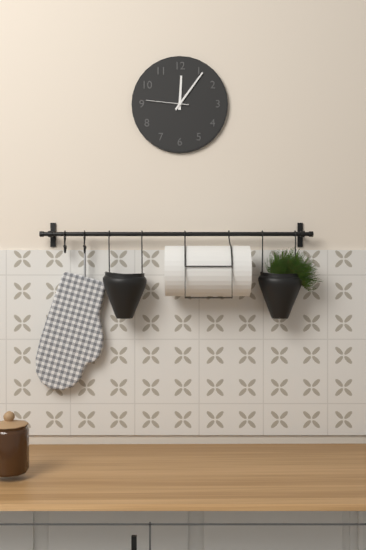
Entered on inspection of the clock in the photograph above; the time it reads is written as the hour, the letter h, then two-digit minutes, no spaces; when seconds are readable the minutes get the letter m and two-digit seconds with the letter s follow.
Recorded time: 12h06
